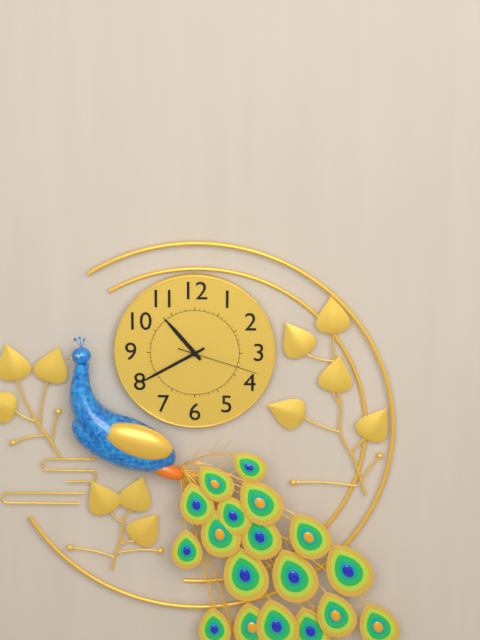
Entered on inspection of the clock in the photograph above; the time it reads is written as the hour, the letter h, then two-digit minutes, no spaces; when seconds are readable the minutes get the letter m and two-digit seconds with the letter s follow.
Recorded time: 10h40m18s
